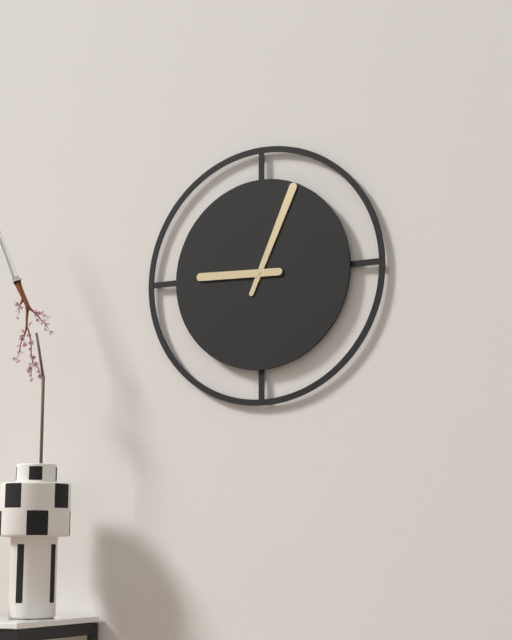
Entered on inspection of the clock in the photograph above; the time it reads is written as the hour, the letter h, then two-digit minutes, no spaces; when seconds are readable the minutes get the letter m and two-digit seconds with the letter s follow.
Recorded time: 9h04
